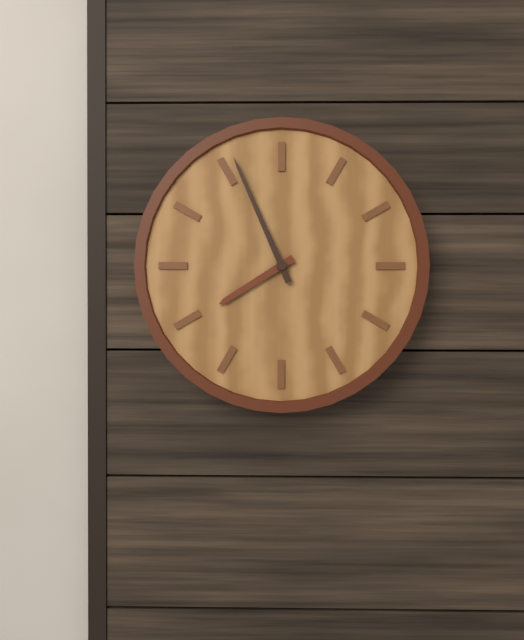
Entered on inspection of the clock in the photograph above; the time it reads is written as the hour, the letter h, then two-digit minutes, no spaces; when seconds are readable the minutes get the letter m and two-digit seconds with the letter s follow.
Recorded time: 7h56
